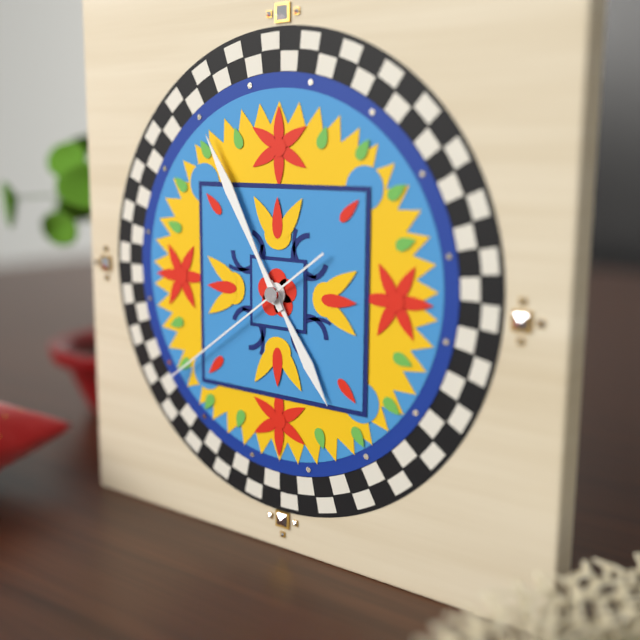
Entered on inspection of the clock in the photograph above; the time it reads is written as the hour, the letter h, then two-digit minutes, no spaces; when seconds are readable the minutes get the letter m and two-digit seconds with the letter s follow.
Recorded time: 4h55m39s
